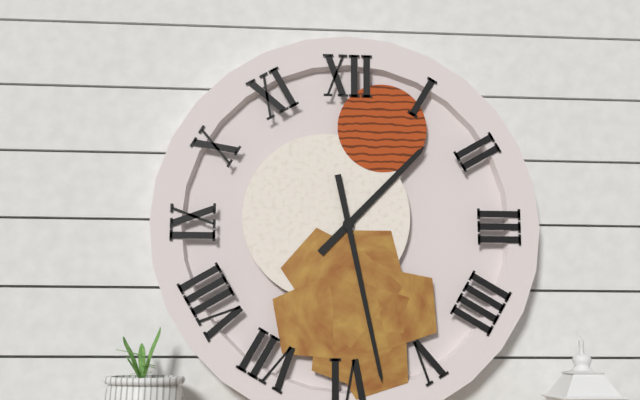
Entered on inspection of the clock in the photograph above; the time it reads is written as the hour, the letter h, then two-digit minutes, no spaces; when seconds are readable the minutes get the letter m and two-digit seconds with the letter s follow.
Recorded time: 1h28
